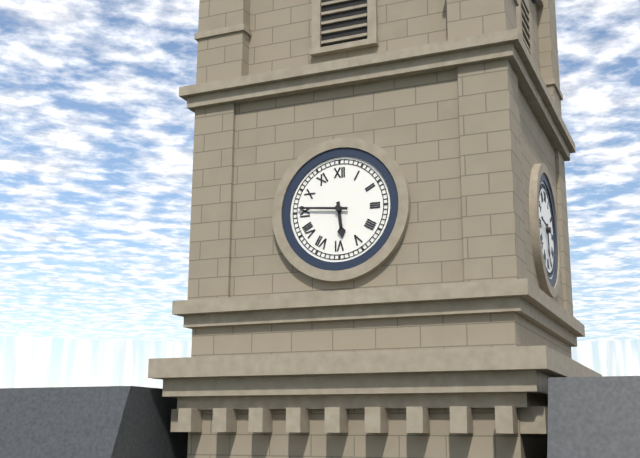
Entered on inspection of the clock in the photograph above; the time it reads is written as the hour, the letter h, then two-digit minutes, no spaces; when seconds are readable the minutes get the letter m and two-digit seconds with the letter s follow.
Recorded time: 5h46
